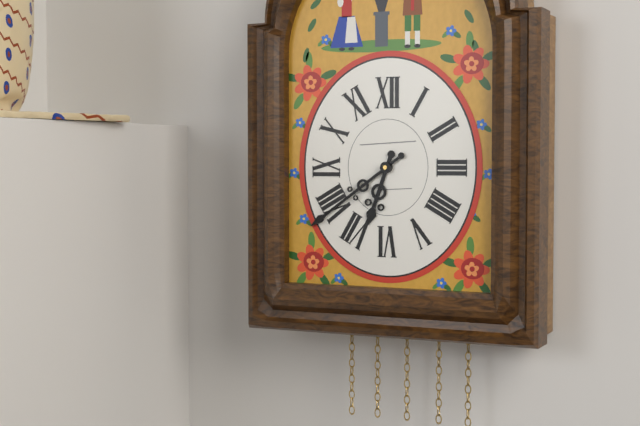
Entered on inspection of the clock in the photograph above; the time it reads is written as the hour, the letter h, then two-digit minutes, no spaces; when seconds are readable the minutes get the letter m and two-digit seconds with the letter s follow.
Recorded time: 6h39
